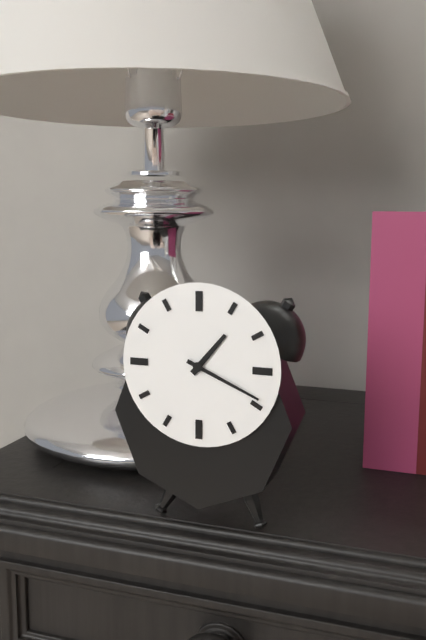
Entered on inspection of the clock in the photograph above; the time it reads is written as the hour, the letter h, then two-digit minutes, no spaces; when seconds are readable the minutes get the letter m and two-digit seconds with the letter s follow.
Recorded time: 1h19
